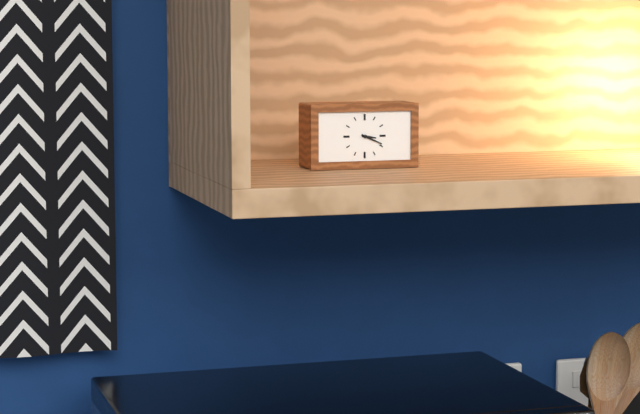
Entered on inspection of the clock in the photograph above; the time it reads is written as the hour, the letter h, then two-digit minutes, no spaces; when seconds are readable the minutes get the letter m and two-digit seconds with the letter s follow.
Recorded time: 3h19
